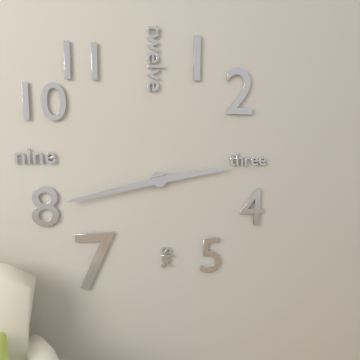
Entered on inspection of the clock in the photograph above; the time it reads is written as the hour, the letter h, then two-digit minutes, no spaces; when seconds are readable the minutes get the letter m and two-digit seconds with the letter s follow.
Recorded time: 2h43
